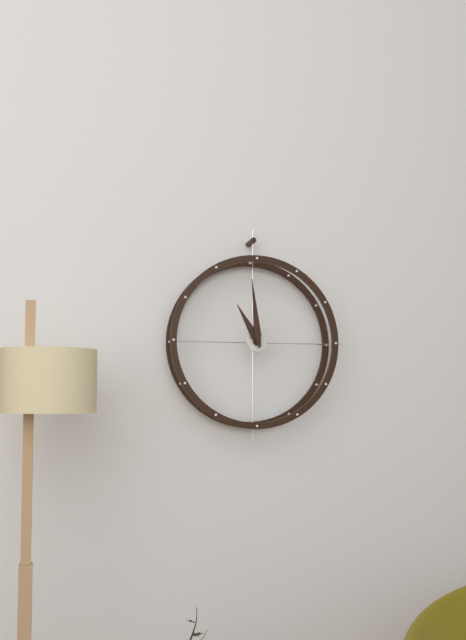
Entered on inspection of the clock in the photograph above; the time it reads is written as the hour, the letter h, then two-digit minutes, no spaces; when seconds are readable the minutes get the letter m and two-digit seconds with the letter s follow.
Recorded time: 10h59
